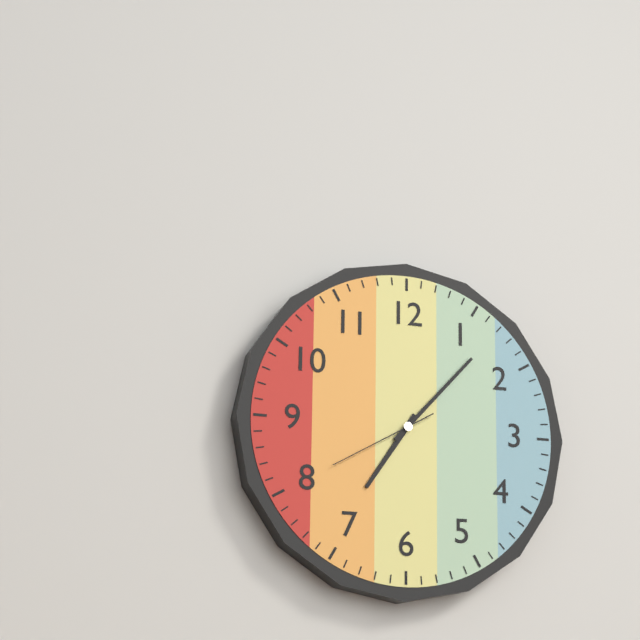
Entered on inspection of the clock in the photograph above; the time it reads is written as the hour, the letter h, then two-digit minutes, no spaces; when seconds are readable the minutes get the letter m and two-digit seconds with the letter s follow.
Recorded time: 7h07m40s
